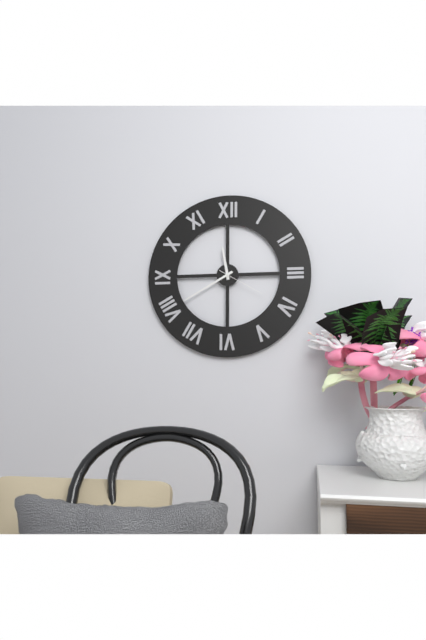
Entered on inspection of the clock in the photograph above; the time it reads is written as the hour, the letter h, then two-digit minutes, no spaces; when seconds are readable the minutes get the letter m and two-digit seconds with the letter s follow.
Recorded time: 11h40
